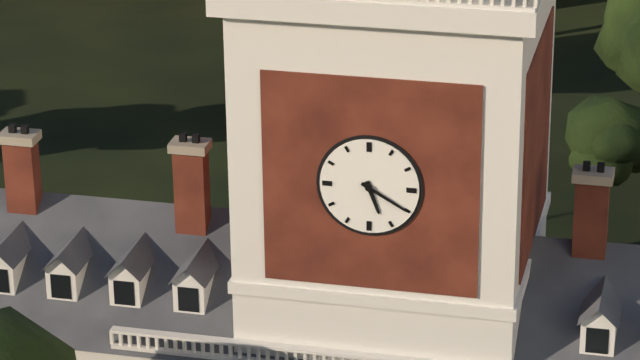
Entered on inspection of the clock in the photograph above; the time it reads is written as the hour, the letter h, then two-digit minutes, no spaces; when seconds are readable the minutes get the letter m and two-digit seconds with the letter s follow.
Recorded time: 5h20
